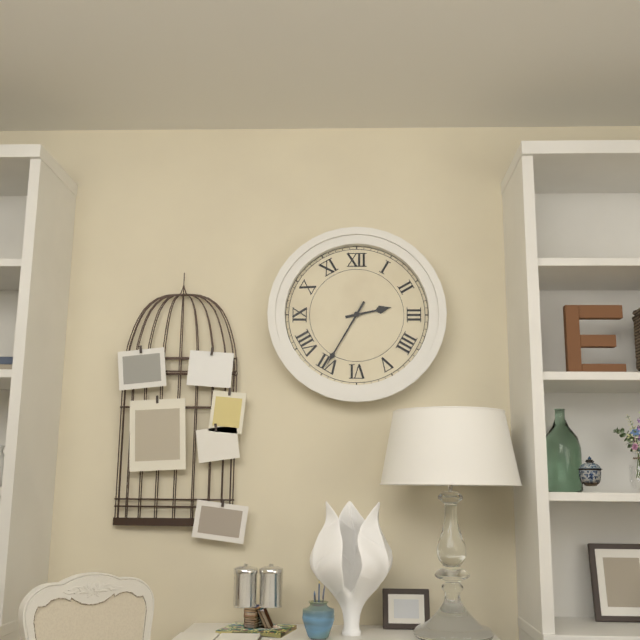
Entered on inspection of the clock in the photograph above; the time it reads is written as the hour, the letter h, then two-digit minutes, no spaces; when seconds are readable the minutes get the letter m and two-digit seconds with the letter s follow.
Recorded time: 2h35
